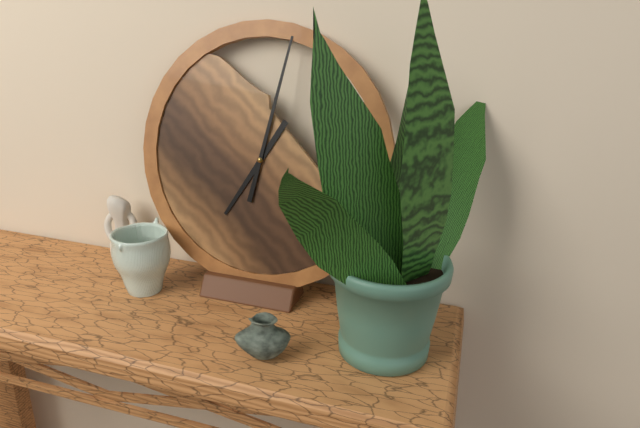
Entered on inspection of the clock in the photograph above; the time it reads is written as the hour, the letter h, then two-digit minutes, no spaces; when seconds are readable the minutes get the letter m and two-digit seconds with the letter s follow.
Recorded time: 7h02
